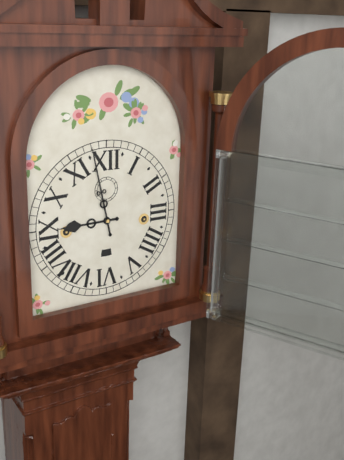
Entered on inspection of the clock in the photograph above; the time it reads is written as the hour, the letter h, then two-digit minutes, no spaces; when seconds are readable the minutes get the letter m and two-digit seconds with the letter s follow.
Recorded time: 8h58
